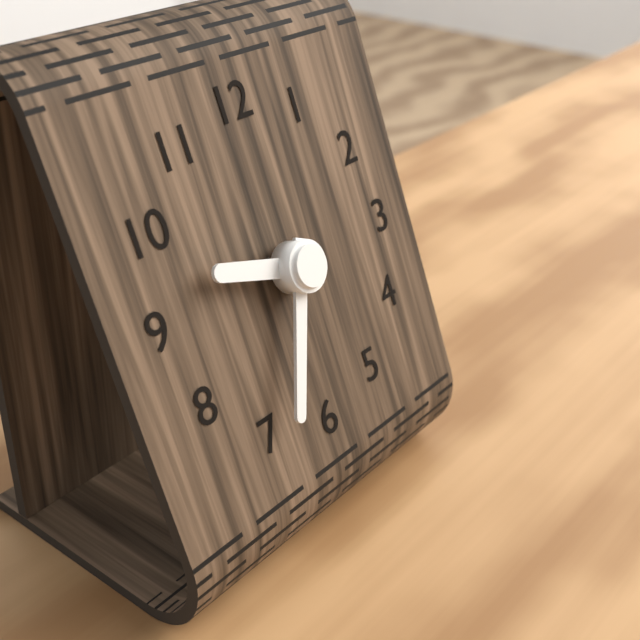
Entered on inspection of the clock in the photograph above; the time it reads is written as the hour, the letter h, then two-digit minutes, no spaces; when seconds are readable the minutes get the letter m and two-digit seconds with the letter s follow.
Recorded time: 9h34
